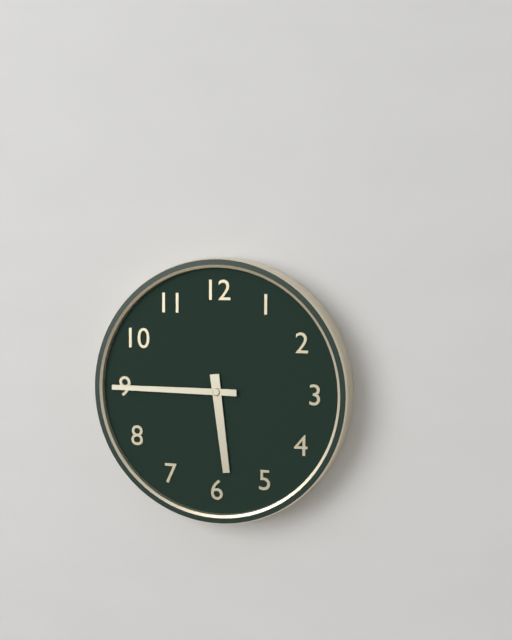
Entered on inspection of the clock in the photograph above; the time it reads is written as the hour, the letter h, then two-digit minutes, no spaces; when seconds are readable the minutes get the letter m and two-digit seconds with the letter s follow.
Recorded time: 5h45
